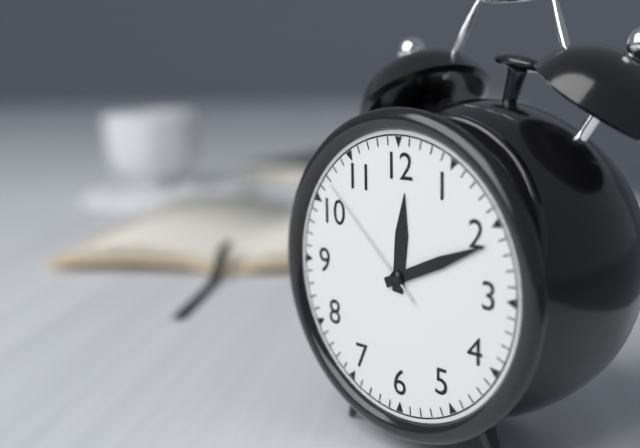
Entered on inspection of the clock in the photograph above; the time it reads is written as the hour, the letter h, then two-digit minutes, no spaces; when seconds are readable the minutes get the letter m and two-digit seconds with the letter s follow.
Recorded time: 12h11m52s
